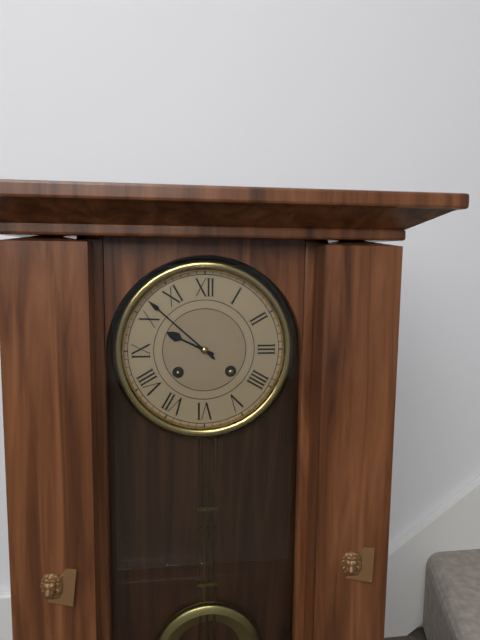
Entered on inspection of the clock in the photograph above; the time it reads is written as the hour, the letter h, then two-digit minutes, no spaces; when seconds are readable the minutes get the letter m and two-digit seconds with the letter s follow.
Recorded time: 9h52
